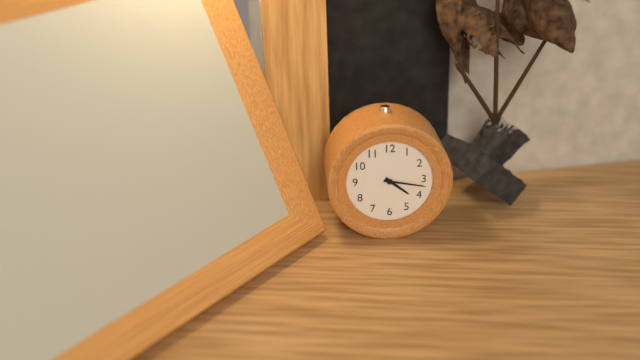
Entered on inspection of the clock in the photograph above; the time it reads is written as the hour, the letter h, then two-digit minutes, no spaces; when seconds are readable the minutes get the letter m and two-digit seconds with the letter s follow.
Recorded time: 4h17
